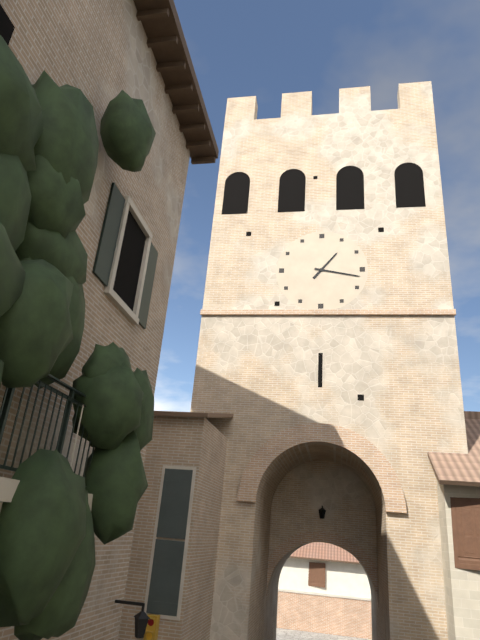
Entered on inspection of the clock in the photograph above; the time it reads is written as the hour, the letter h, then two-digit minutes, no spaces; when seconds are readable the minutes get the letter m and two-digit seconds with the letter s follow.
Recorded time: 1h17
